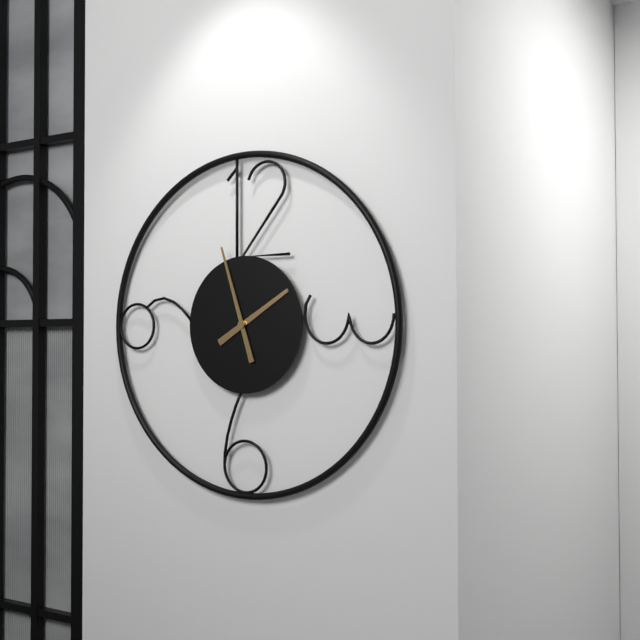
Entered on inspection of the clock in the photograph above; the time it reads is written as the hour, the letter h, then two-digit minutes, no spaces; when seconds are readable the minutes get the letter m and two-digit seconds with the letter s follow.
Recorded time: 1h57
